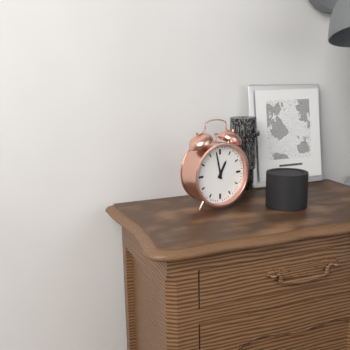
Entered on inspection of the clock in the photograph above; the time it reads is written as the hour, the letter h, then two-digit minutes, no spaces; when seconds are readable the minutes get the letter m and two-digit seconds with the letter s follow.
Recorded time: 12h58
